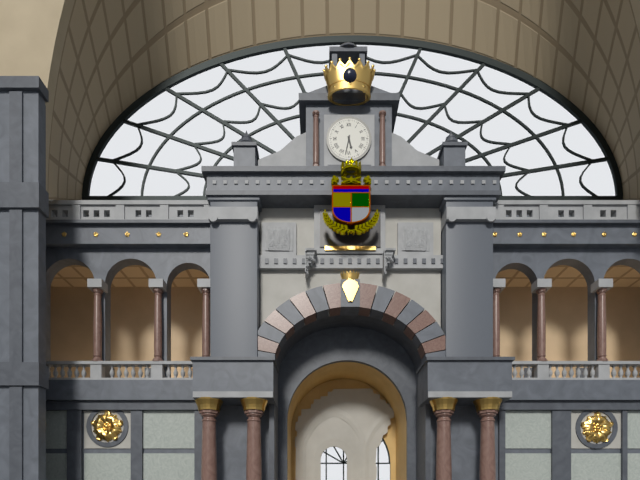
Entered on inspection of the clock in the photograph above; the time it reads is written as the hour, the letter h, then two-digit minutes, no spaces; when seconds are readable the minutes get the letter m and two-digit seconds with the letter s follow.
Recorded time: 5h32
